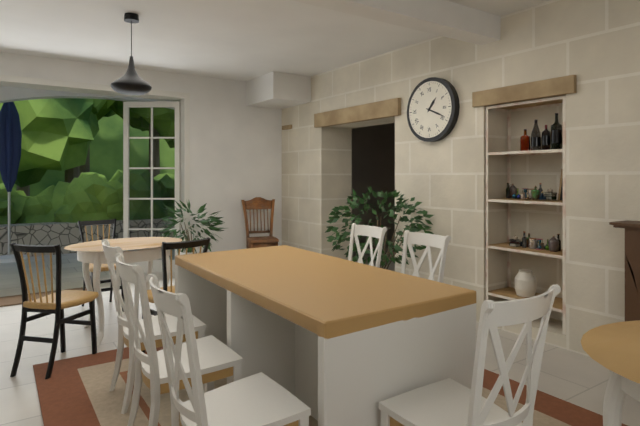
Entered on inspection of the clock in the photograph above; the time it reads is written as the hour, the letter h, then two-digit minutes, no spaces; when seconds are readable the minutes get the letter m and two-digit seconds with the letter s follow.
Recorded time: 1h19
